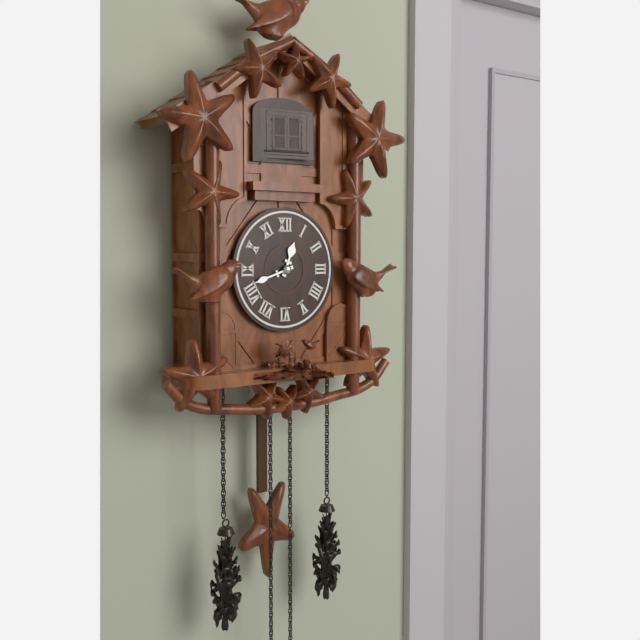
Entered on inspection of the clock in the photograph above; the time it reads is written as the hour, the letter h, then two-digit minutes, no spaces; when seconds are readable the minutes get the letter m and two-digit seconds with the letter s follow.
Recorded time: 12h42
